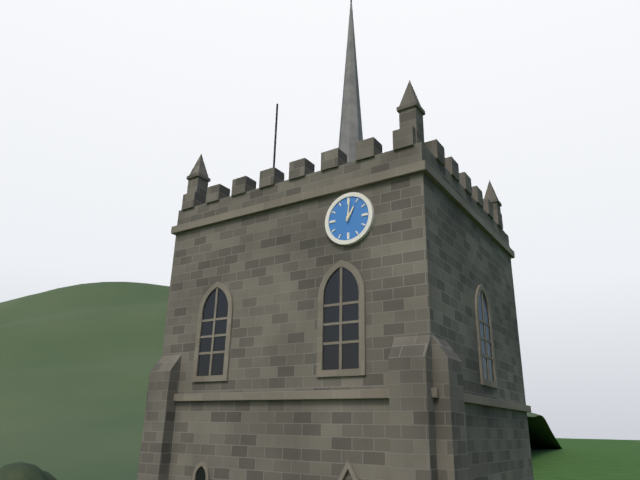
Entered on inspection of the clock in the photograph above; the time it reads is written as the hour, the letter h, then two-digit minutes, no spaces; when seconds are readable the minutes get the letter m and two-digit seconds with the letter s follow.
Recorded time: 1h01
